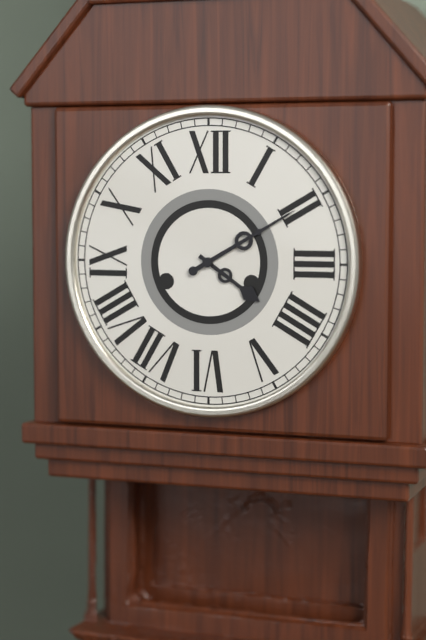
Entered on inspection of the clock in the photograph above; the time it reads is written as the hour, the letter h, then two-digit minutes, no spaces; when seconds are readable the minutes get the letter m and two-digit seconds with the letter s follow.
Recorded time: 4h10
